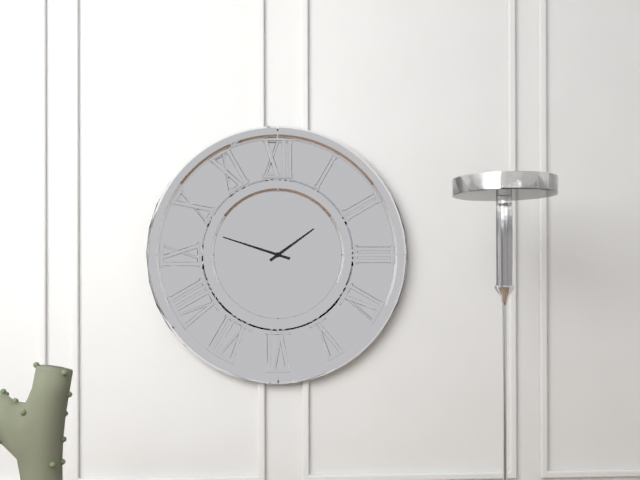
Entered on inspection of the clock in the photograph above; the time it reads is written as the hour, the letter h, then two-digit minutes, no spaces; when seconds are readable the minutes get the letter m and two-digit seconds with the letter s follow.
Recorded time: 1h48
